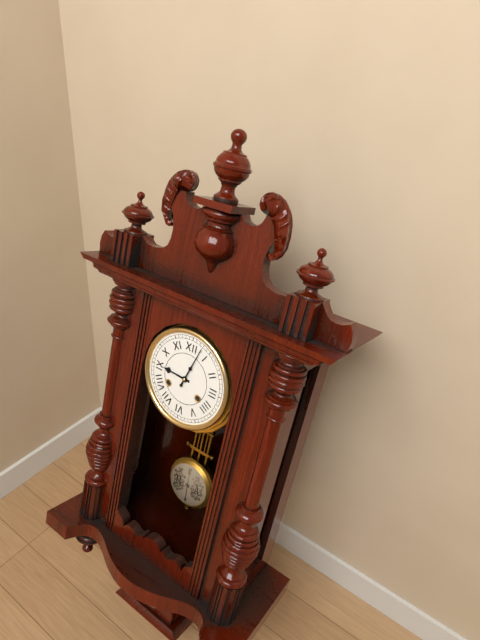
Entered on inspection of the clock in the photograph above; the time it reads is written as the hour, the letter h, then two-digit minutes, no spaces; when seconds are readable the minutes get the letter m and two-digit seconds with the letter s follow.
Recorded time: 9h03
